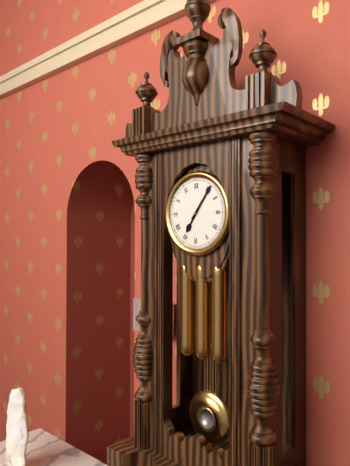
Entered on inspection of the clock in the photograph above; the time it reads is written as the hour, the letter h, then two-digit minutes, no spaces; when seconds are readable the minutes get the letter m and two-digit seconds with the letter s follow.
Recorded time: 7h06
